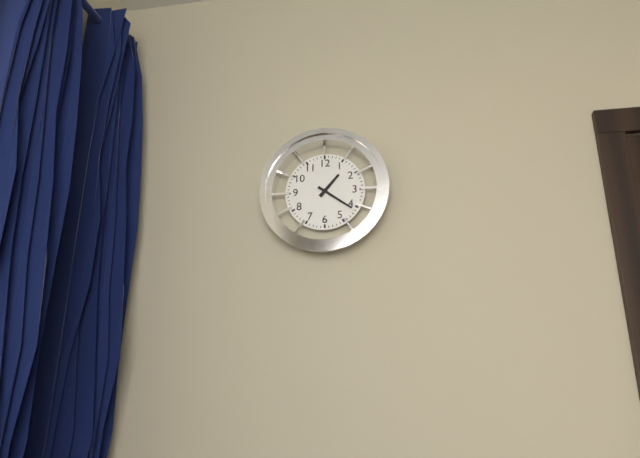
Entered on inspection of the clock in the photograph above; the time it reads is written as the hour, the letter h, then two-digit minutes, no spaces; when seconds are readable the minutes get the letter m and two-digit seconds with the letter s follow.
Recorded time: 1h21
